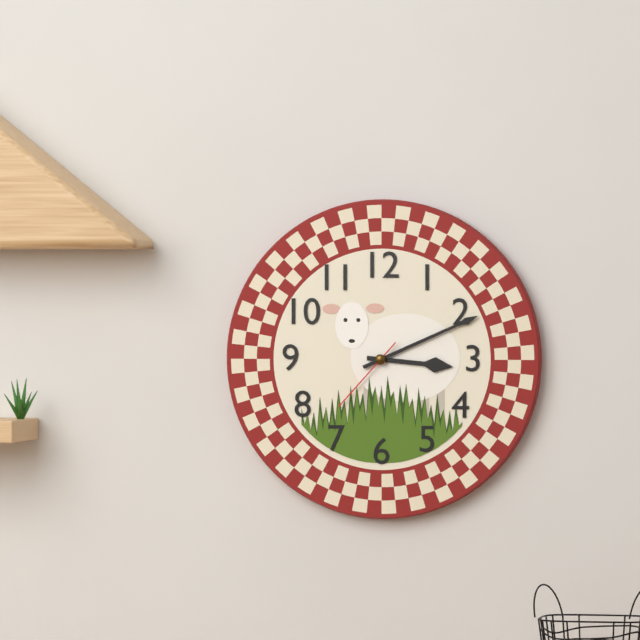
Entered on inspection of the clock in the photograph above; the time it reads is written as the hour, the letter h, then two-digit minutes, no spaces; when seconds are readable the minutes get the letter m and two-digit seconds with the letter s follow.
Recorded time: 3h11m37s
